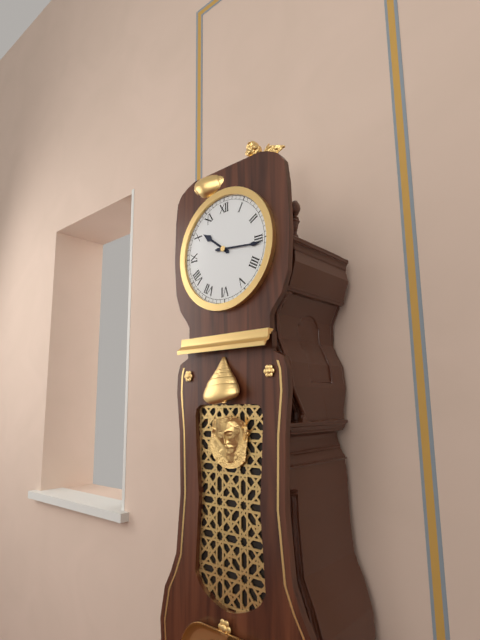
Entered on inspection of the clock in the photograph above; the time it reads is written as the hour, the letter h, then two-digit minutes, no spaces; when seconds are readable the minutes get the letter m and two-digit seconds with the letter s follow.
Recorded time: 10h16
